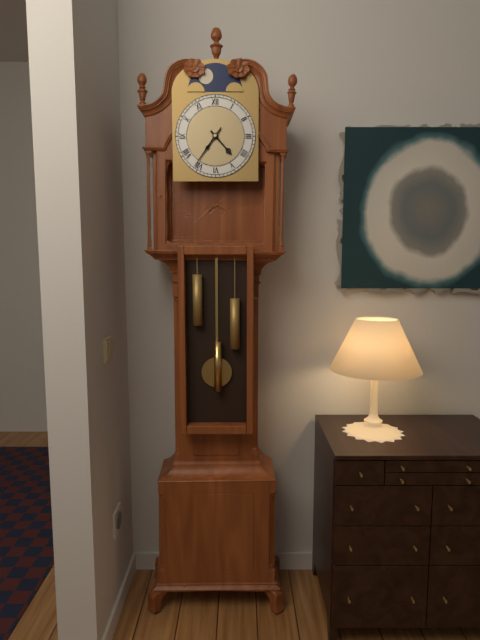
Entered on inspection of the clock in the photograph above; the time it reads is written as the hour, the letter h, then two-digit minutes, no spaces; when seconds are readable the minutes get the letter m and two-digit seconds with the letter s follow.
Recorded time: 4h36
